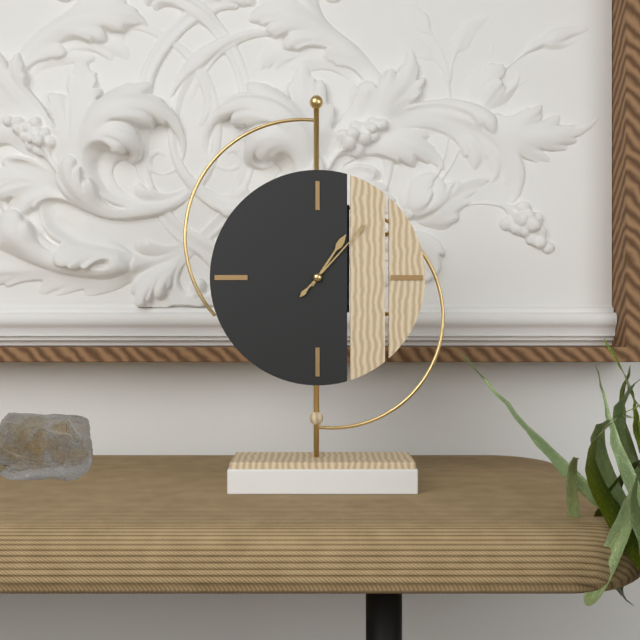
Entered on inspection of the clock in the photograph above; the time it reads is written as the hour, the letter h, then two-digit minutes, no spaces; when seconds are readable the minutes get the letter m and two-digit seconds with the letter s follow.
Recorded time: 1h07
